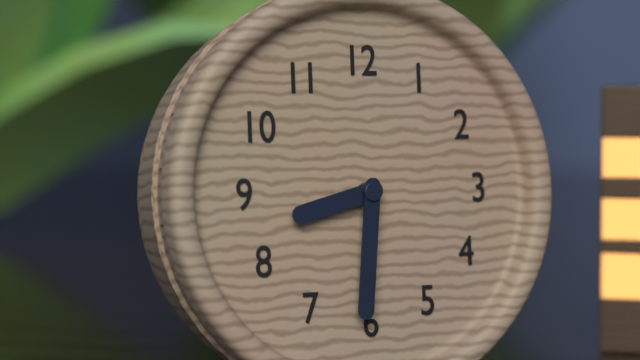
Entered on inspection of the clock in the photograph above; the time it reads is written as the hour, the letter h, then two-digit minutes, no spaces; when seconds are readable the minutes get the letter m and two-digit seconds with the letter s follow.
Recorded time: 8h31
